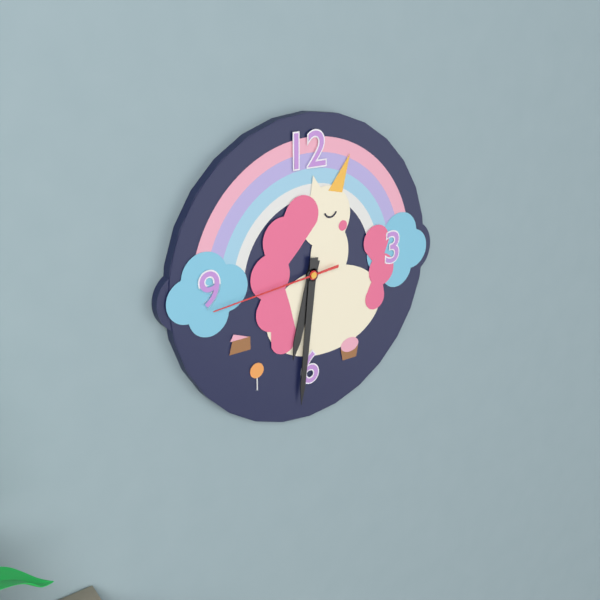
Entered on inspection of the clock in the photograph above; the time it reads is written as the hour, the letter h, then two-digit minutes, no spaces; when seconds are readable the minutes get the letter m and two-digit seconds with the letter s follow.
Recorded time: 6h31m44s
